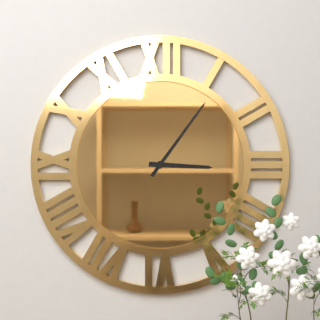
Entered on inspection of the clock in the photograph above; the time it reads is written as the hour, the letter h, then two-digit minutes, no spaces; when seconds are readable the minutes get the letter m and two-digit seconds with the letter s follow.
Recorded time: 3h06
